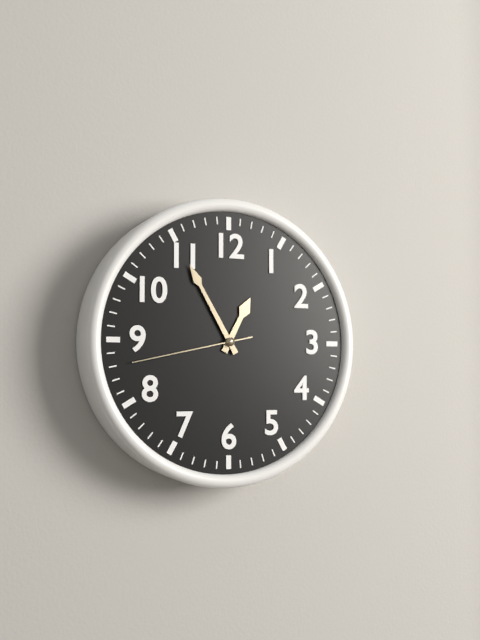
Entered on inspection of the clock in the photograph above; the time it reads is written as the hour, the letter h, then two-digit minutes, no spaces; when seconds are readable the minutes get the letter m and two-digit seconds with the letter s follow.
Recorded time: 12h55m43s
